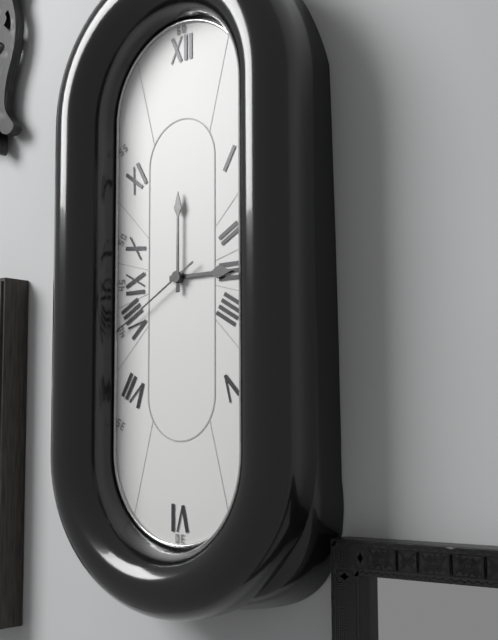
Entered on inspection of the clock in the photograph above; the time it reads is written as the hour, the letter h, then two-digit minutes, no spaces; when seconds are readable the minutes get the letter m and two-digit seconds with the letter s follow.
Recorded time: 3h00m40s
